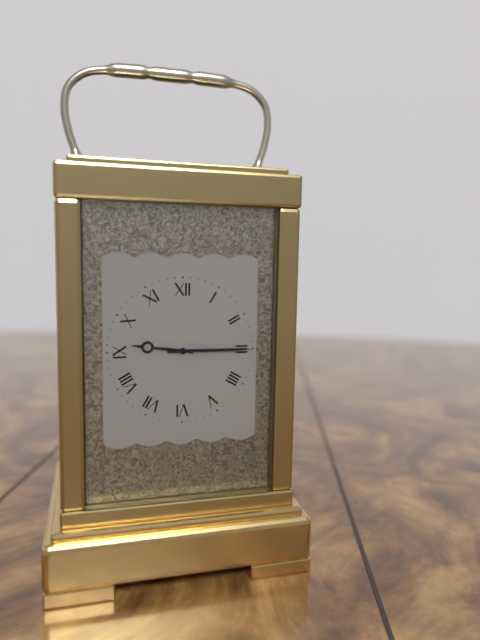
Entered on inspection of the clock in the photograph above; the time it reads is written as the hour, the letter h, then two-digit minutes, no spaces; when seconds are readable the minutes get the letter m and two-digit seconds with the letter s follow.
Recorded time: 9h15
